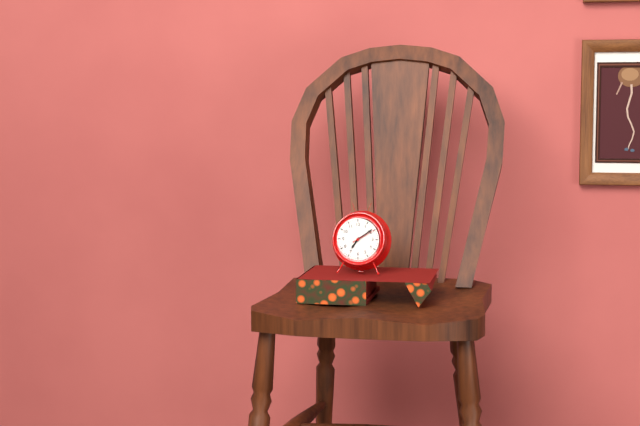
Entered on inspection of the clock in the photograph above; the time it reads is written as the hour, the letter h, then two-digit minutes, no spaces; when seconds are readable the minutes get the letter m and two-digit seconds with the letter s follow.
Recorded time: 7h09
